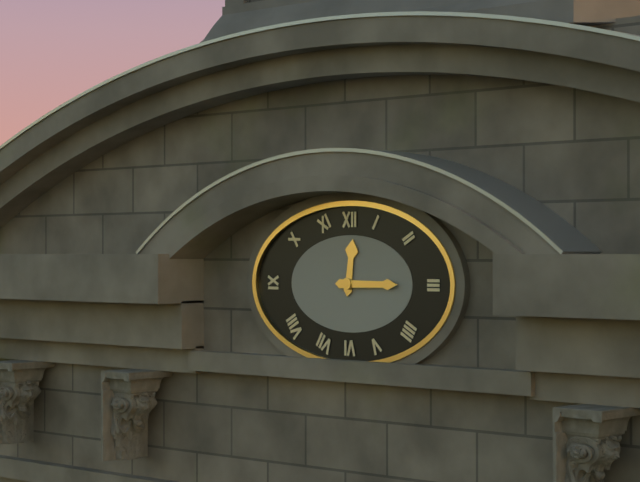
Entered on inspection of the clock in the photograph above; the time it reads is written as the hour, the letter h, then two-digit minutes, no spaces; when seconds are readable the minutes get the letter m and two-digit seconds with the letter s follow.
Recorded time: 12h15
